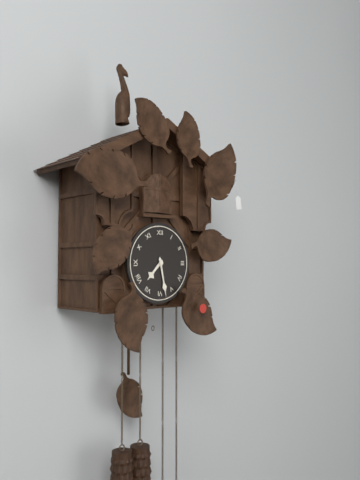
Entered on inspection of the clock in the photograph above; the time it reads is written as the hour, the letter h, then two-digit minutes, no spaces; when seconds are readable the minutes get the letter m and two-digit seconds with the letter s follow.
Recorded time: 7h28
